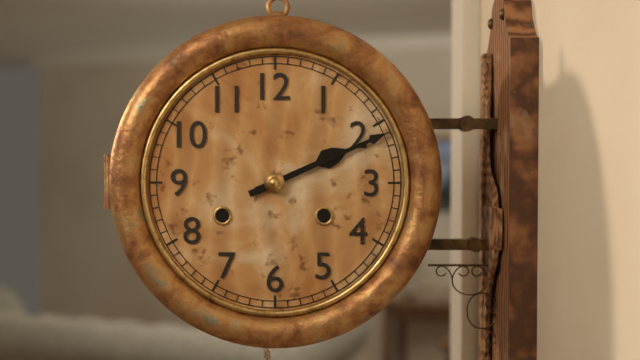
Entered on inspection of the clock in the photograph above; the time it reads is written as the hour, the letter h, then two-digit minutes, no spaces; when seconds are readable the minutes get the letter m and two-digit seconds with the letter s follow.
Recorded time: 2h11
